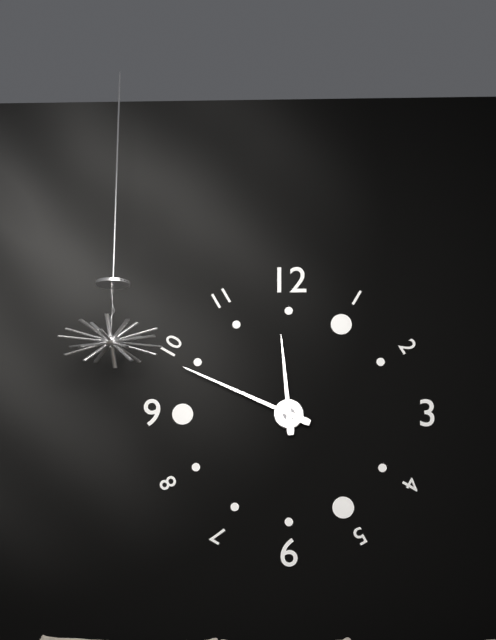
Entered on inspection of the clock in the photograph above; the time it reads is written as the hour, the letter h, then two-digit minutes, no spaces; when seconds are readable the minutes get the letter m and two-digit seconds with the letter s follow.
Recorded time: 11h49
